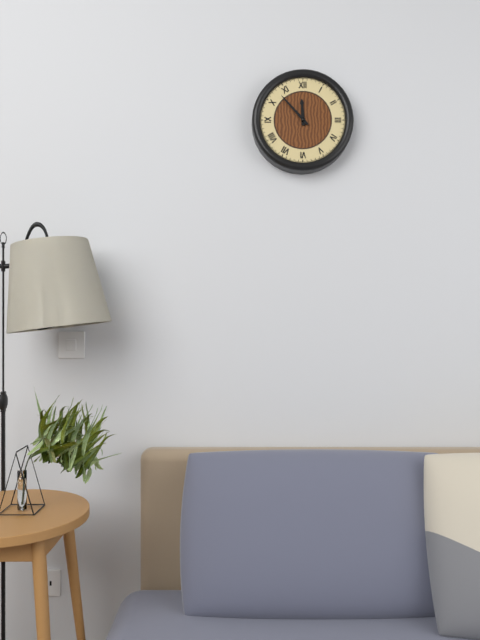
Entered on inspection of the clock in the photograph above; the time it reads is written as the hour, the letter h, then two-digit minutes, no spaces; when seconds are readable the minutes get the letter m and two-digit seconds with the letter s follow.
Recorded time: 11h53
